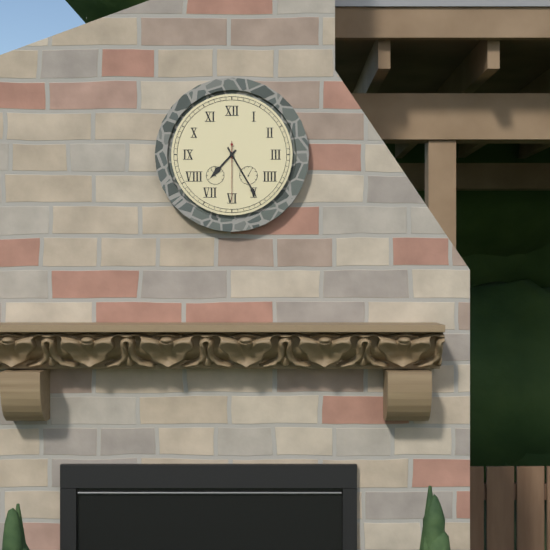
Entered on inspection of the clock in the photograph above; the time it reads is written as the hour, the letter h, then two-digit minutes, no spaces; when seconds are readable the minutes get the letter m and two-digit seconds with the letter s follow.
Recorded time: 7h25m30s
